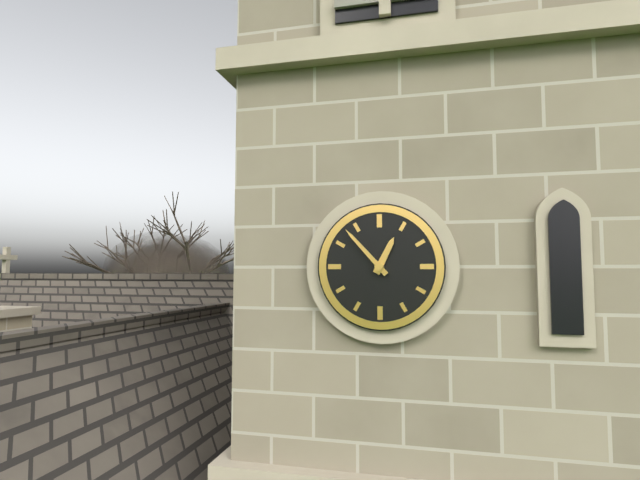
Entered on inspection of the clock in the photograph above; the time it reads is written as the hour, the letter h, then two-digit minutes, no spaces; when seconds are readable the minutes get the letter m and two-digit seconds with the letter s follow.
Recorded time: 12h53
